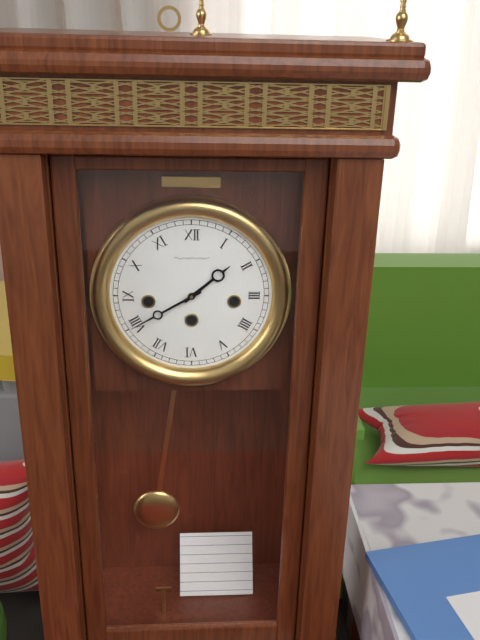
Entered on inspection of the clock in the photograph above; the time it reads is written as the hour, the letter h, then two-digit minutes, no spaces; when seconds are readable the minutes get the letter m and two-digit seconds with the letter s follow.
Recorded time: 1h40
